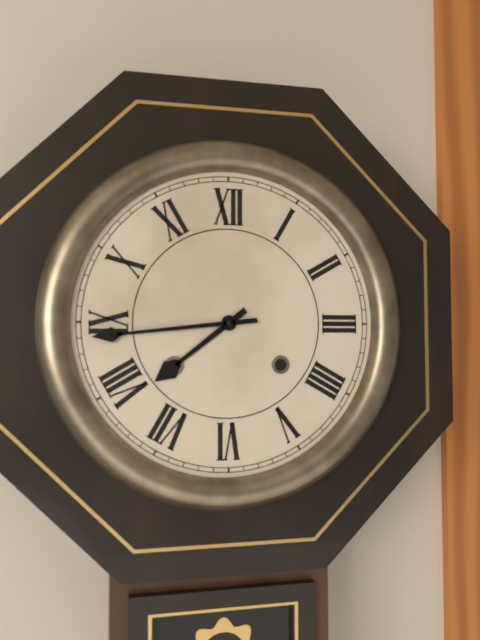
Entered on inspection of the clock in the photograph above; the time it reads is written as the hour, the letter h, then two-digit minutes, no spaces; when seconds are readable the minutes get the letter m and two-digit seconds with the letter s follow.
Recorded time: 7h44
